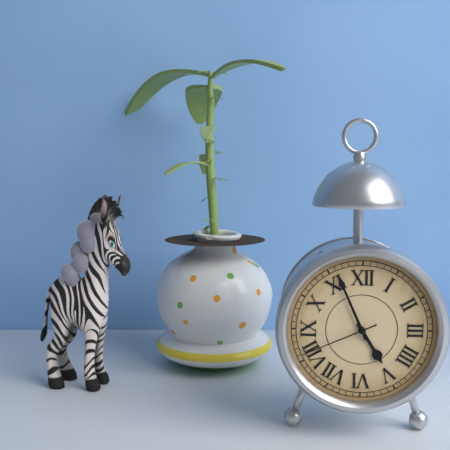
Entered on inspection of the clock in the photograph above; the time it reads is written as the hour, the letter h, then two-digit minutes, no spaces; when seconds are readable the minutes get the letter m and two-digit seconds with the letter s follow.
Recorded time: 4h56m41s
